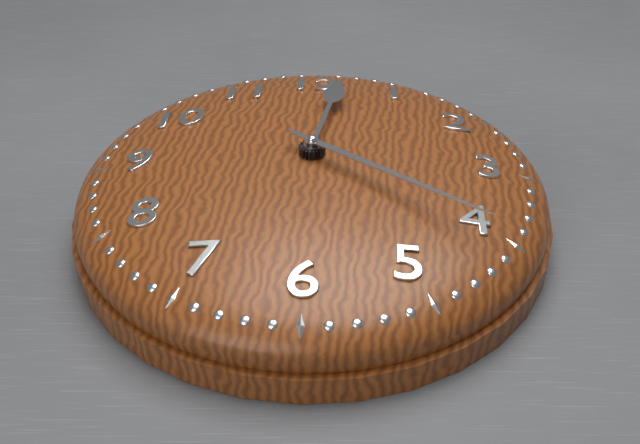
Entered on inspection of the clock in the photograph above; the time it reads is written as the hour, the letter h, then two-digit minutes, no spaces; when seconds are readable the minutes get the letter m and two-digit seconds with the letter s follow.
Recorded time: 12h21
